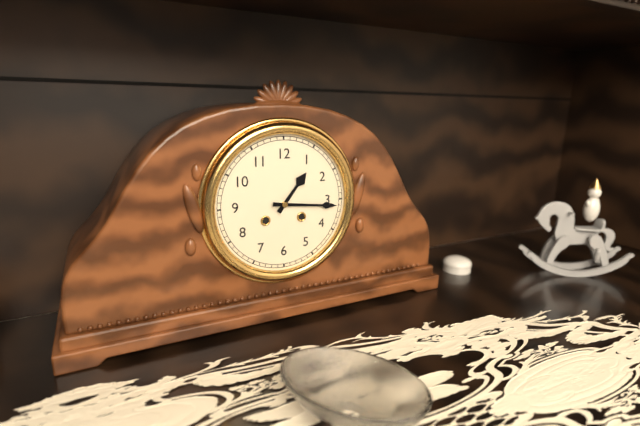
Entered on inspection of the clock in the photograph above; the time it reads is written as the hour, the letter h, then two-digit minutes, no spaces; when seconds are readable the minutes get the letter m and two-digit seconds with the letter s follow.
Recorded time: 1h16
